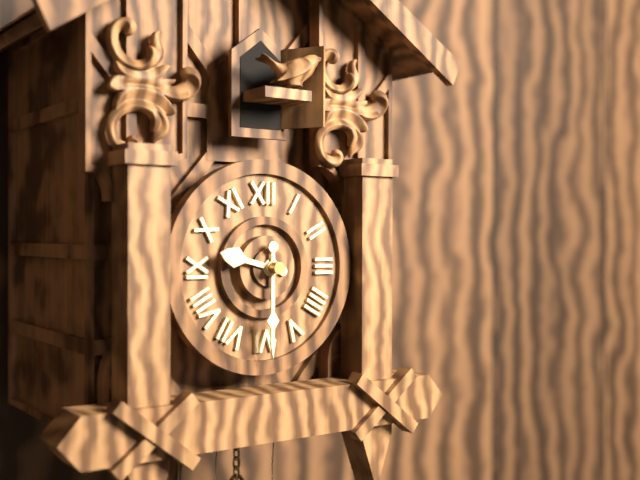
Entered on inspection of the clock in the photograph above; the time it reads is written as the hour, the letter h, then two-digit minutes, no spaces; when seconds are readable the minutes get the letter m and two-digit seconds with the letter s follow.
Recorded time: 9h30
